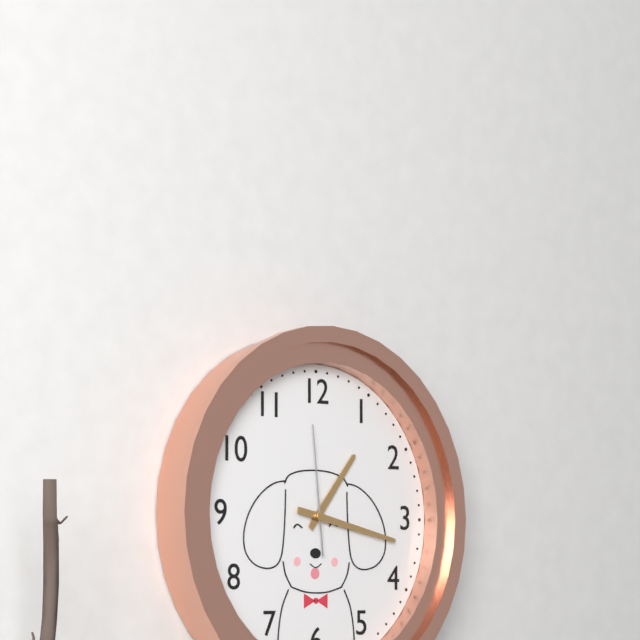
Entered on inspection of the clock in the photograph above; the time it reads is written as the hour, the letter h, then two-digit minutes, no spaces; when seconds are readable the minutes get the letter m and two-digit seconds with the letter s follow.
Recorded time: 1h17m59s
